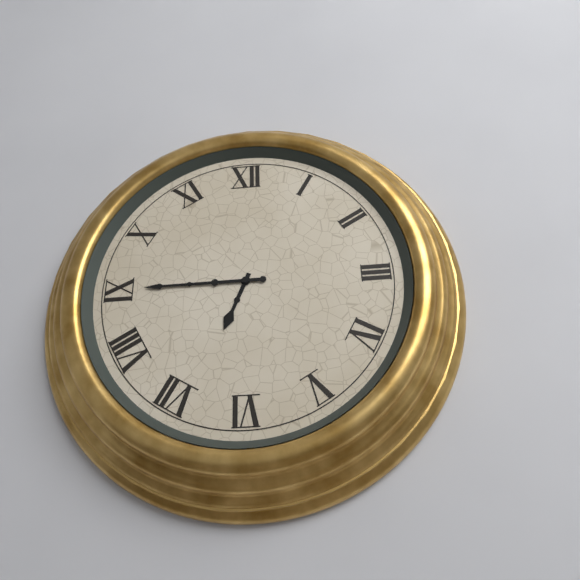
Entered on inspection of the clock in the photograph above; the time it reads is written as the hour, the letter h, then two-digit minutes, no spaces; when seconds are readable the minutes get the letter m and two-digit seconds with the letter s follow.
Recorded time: 6h45
